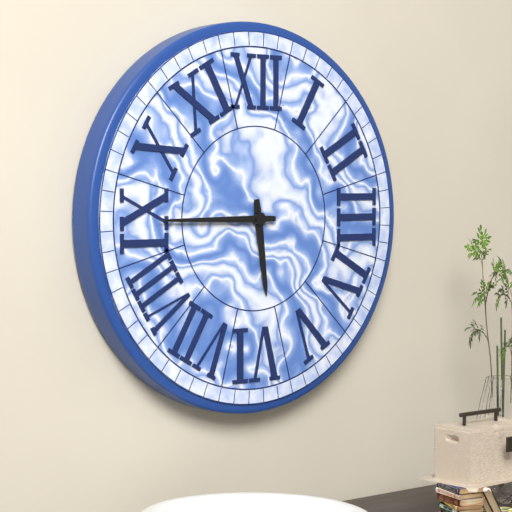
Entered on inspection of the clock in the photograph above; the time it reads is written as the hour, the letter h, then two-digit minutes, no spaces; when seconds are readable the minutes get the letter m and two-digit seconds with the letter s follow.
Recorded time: 5h45
